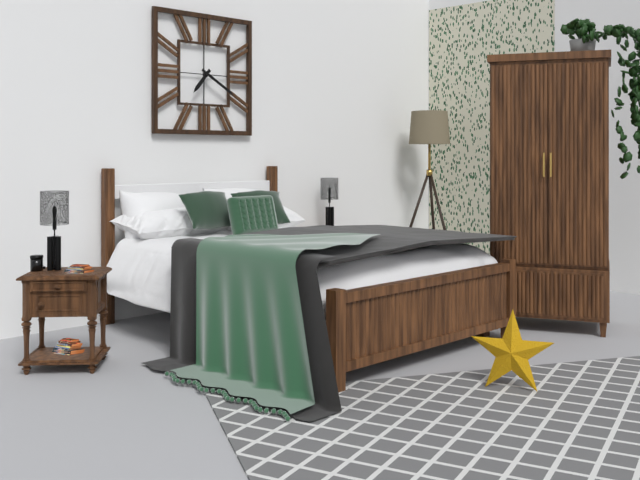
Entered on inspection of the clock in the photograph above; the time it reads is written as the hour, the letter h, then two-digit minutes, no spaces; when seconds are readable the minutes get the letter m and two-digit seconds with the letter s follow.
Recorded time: 7h20
